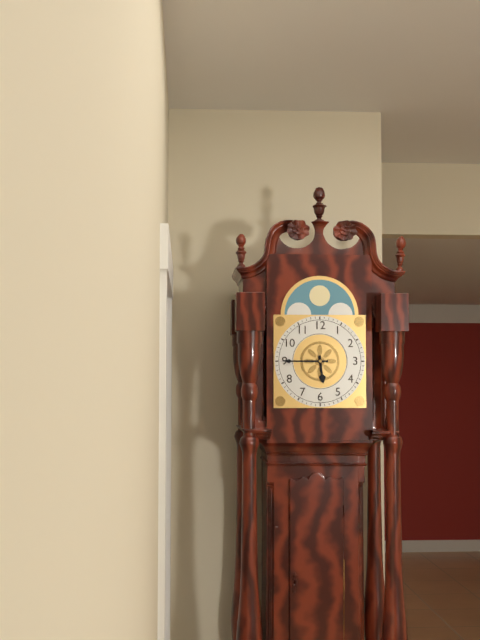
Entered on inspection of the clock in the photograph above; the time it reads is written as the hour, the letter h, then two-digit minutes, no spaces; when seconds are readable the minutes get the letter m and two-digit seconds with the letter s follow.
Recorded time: 5h45
